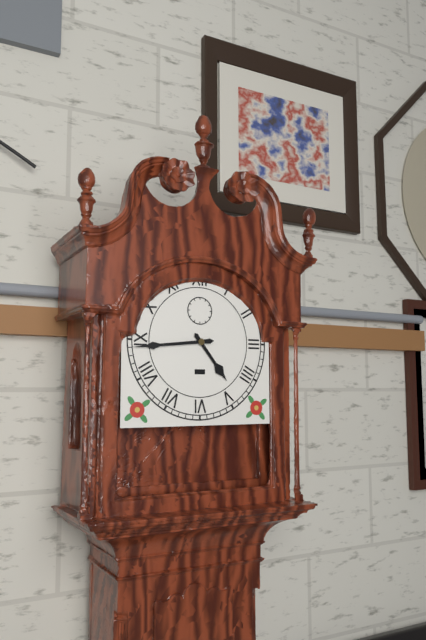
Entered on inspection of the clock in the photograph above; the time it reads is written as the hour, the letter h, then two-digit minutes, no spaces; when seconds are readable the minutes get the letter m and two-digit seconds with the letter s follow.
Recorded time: 4h44
